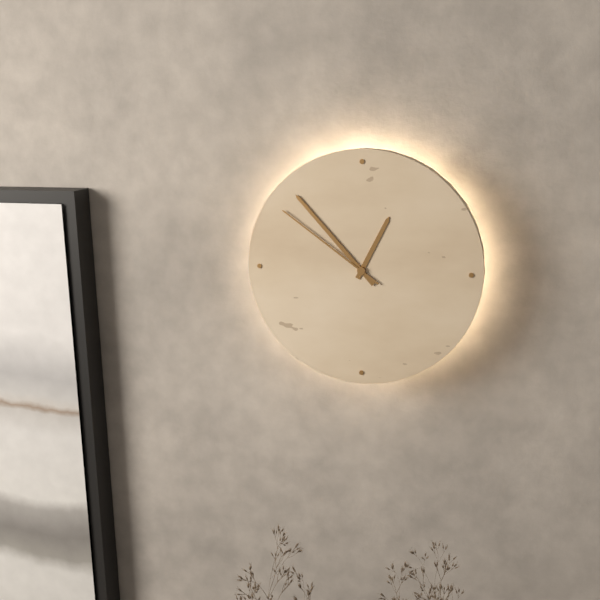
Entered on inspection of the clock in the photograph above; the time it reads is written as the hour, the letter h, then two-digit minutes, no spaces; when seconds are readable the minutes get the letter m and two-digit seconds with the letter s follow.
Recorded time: 12h53m51s
